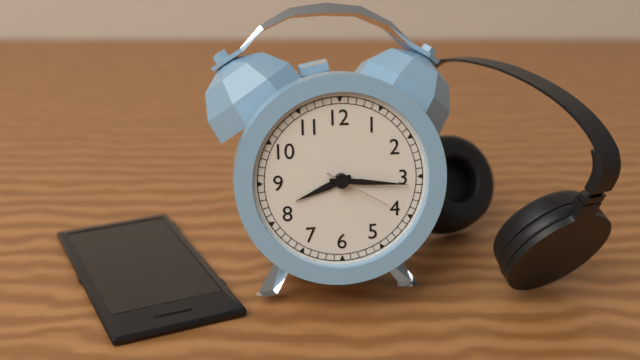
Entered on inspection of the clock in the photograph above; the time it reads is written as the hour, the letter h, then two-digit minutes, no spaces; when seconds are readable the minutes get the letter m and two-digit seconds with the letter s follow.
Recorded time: 8h16m20s
